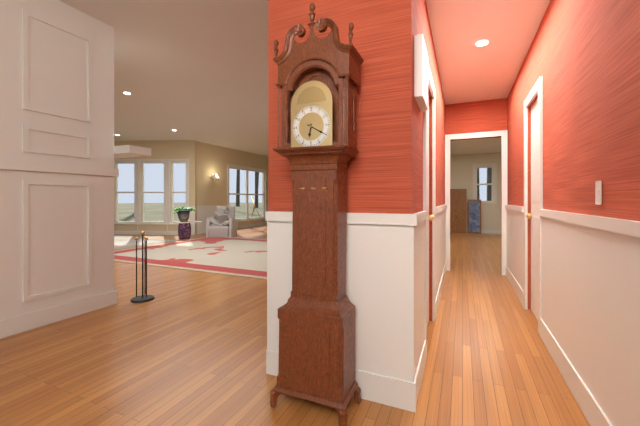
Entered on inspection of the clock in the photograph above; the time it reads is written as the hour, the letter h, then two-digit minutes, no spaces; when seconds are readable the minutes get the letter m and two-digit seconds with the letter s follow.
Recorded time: 6h20
